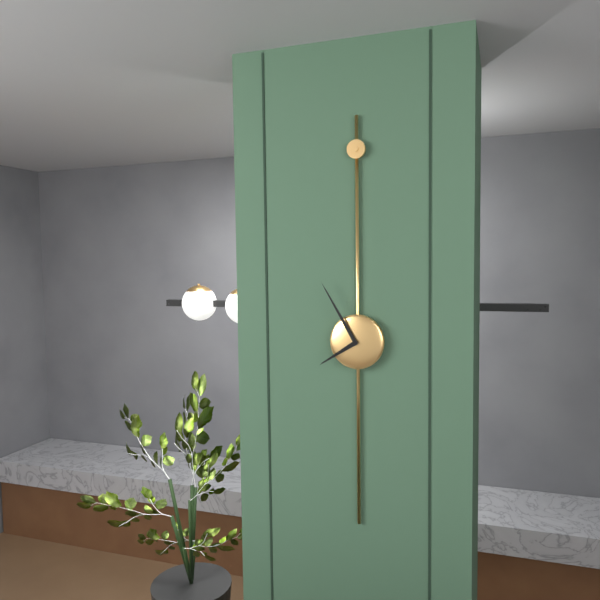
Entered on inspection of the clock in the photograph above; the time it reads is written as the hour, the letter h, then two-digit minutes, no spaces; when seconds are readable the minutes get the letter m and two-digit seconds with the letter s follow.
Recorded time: 7h55
